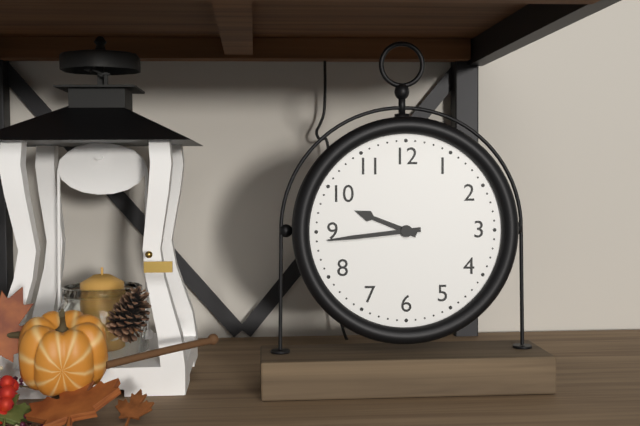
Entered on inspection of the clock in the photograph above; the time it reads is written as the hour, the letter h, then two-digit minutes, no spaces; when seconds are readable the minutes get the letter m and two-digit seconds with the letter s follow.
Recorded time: 9h44
